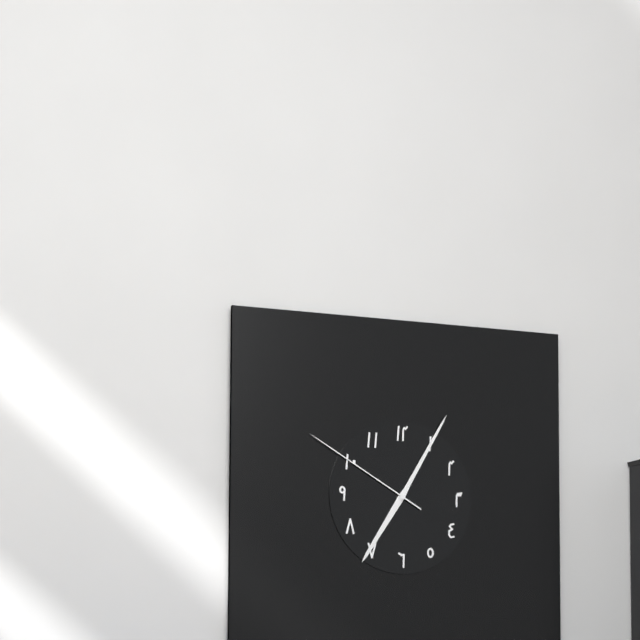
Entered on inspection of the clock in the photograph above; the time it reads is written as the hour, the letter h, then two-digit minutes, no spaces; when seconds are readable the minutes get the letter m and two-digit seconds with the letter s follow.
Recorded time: 7h05m50s
